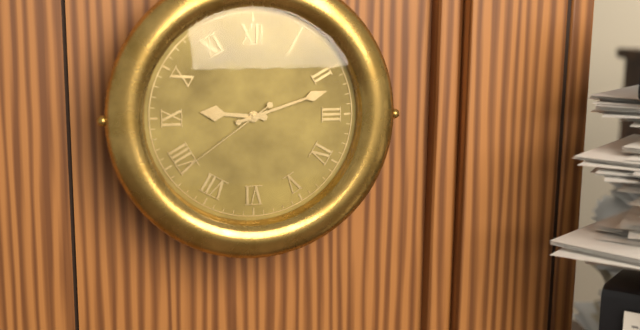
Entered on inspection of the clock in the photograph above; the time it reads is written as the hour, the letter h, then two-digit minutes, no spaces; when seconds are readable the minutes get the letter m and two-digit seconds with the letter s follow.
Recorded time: 9h12m39s
